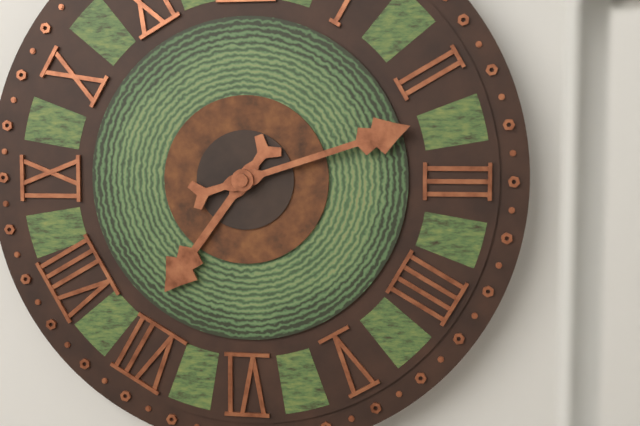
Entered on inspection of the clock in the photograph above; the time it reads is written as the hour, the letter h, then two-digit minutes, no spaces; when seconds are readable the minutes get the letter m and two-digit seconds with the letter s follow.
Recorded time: 7h12
